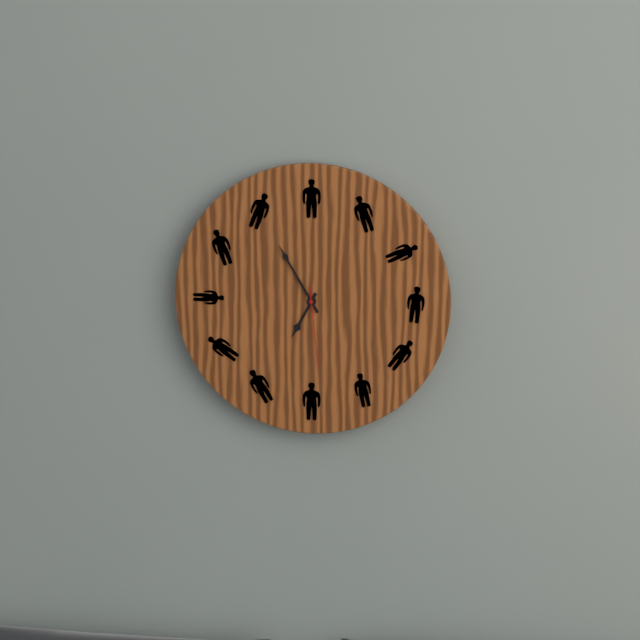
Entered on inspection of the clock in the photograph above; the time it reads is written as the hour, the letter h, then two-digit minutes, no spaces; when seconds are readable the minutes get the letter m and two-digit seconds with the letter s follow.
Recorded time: 6h55m29s
